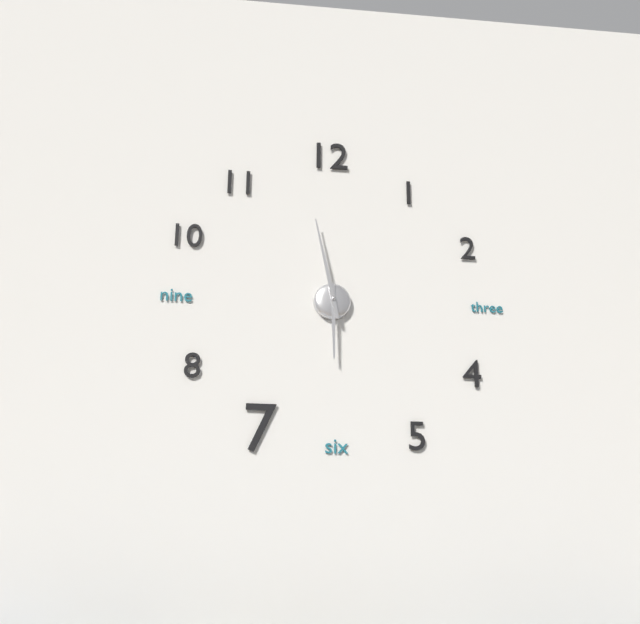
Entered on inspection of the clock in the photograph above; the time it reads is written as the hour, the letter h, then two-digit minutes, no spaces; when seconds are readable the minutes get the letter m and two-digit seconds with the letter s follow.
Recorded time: 5h58
